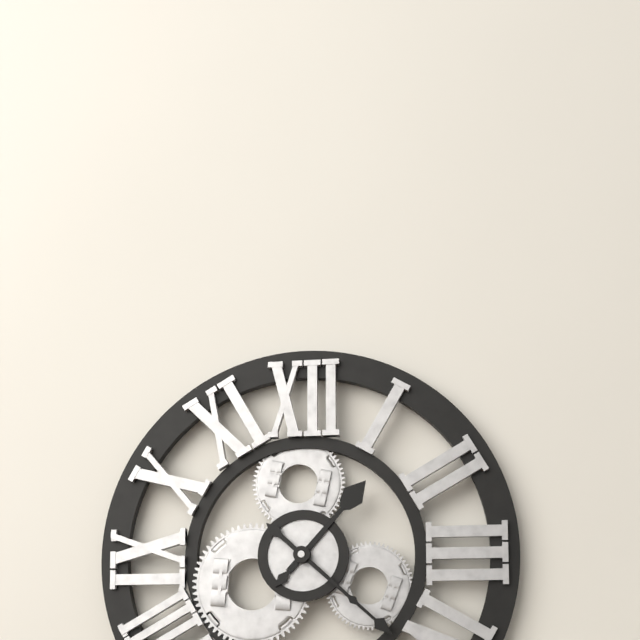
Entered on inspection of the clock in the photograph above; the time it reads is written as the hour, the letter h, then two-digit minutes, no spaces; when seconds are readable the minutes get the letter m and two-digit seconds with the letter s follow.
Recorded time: 1h22
